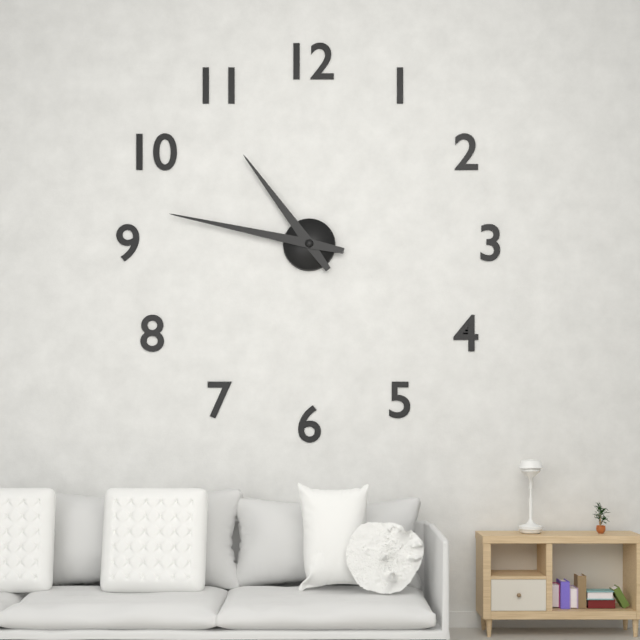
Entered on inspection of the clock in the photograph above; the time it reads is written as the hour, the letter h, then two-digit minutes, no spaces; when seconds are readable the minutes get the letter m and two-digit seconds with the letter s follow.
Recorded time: 10h47
